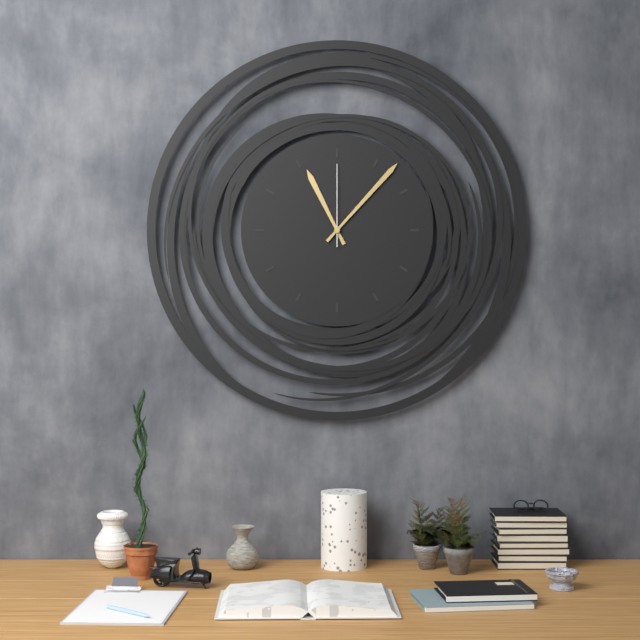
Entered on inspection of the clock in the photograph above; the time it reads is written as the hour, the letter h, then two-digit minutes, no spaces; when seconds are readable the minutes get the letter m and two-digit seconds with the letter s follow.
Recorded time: 11h07m00s
